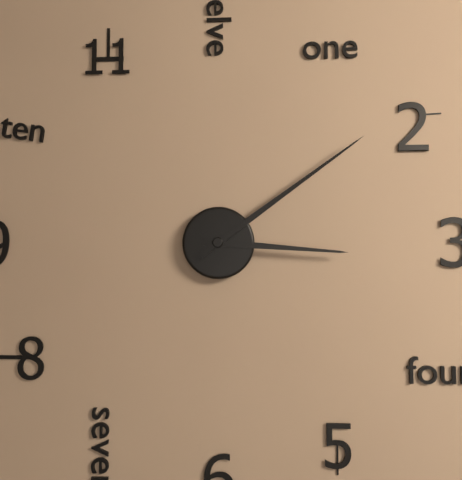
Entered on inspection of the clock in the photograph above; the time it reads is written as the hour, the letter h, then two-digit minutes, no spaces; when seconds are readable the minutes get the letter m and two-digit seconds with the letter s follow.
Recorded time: 3h09
